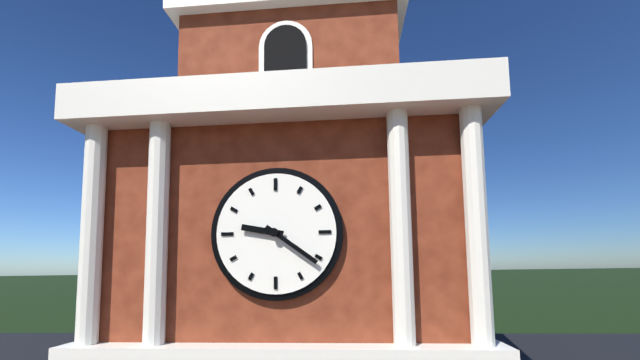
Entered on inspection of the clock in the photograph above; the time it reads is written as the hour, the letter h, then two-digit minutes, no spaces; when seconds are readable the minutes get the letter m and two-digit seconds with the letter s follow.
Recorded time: 9h21
